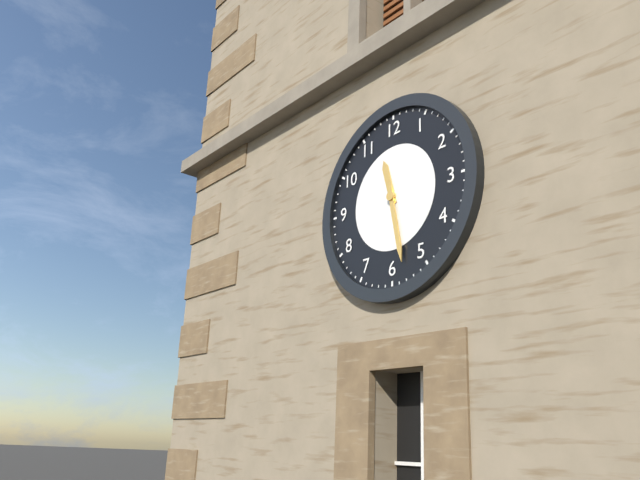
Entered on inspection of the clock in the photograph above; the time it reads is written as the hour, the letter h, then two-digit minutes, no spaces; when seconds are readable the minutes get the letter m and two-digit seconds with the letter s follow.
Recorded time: 11h28
